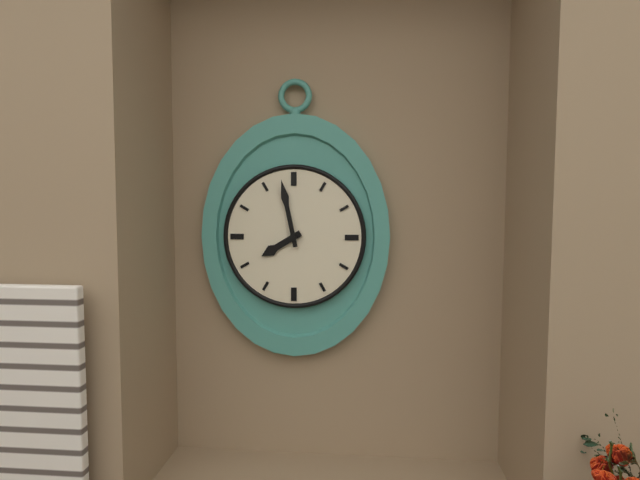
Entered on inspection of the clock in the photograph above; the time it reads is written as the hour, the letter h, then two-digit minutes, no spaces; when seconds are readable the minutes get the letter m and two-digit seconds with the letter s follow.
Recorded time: 7h58
